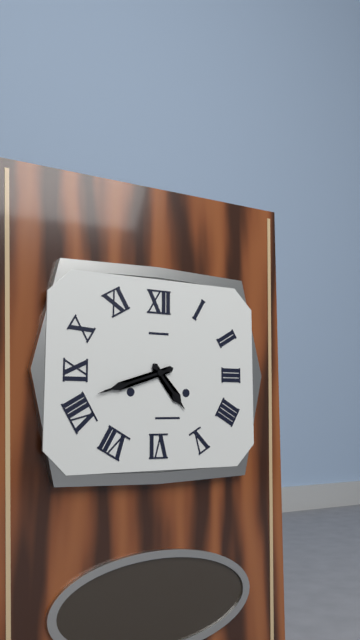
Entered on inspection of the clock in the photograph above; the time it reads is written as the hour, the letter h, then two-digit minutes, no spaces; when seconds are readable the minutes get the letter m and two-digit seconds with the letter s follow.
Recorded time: 4h42
